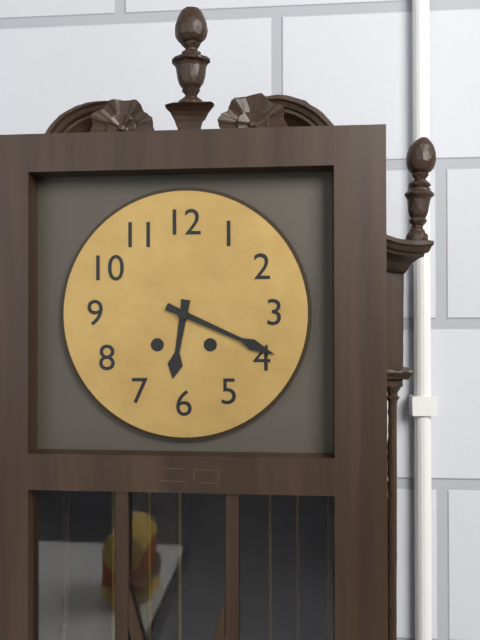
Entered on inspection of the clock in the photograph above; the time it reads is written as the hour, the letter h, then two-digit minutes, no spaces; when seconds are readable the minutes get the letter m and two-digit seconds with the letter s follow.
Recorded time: 6h19
